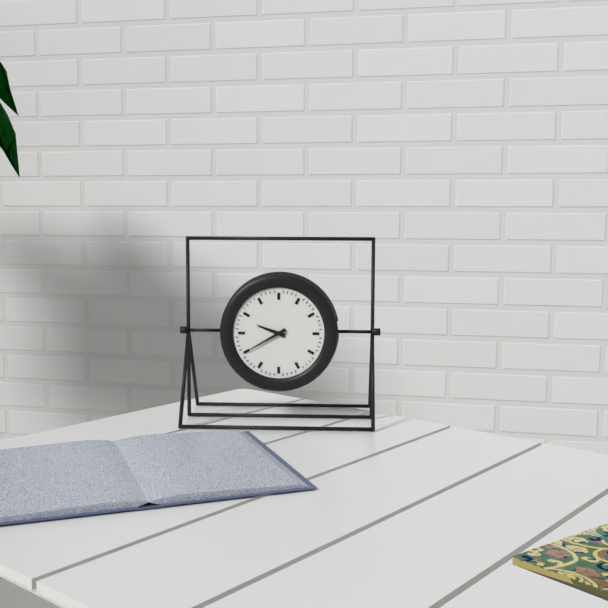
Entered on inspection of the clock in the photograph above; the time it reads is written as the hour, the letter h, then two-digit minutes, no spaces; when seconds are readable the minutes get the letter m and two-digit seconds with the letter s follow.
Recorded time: 9h40
